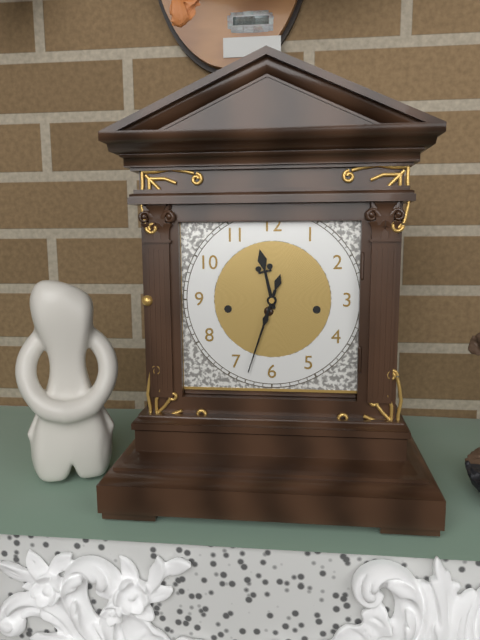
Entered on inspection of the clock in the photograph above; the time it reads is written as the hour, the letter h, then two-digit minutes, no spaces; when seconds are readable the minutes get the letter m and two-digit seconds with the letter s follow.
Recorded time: 11h33
